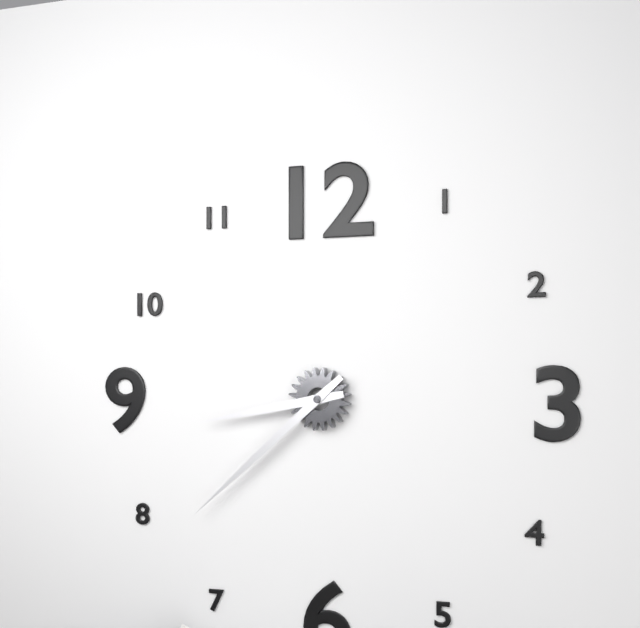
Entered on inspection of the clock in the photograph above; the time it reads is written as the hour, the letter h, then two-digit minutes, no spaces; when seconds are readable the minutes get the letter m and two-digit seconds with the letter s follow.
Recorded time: 8h38
